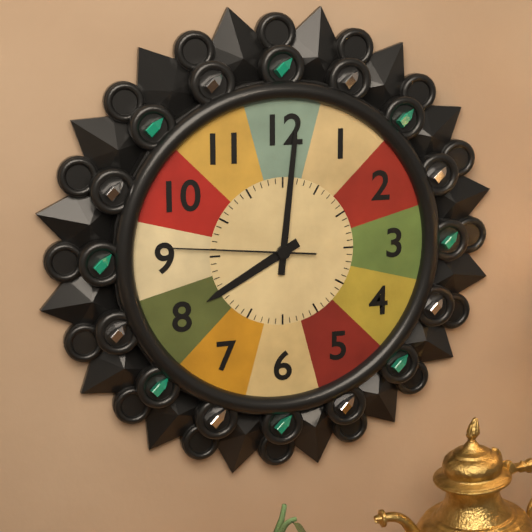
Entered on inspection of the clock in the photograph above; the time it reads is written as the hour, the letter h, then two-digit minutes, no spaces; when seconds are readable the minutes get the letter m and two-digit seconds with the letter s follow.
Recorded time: 8h01m46s
